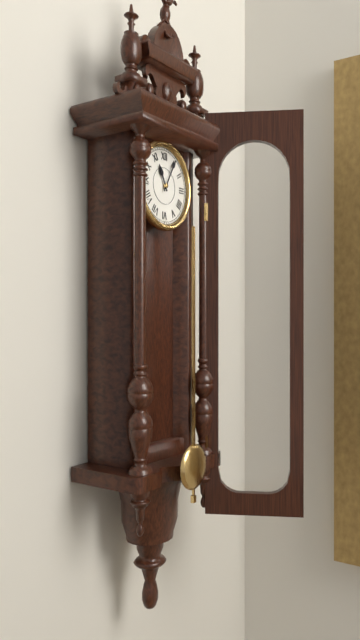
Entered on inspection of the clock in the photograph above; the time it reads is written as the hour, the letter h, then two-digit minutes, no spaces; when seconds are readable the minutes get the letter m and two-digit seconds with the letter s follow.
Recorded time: 11h05
